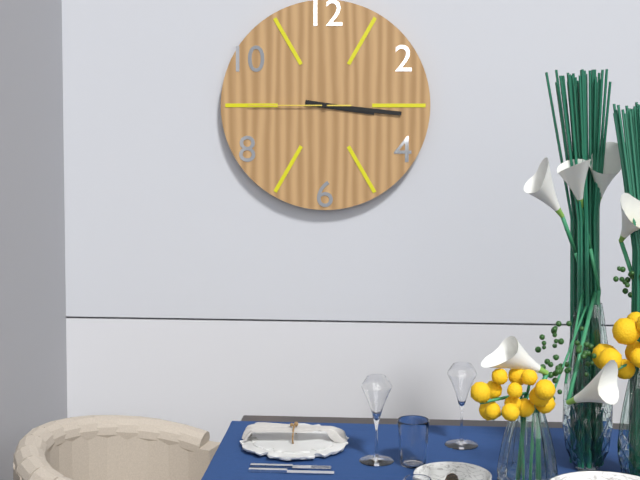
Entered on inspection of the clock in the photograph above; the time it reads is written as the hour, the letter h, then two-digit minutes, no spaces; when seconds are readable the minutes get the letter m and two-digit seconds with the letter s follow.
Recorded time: 3h16m45s
